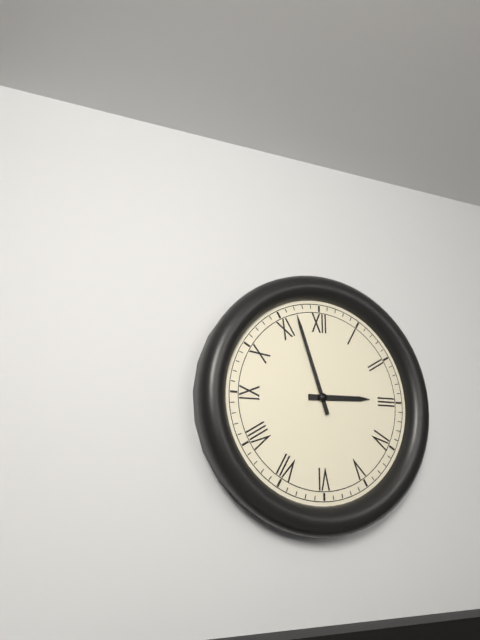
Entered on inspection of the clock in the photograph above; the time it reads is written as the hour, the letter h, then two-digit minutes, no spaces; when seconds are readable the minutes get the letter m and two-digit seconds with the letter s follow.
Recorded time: 2h57
